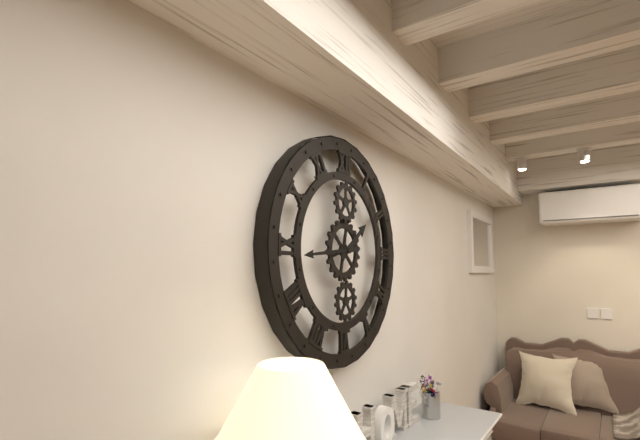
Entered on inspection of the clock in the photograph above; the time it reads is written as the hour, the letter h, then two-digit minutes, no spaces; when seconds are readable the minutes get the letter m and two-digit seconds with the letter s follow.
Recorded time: 1h44
